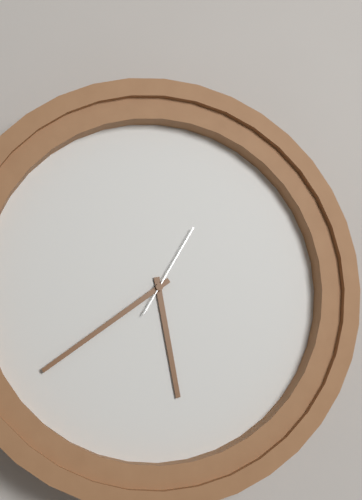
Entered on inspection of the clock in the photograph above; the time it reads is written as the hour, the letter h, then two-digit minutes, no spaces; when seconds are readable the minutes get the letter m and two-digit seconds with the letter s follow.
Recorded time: 5h39m05s
